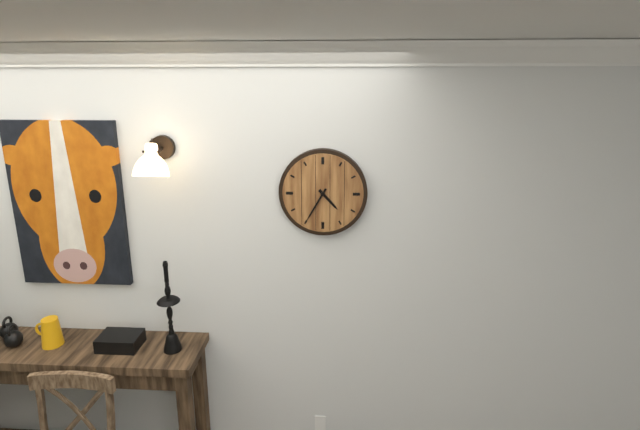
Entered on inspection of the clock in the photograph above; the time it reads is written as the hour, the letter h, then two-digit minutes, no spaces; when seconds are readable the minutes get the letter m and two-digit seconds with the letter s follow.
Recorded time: 4h35
